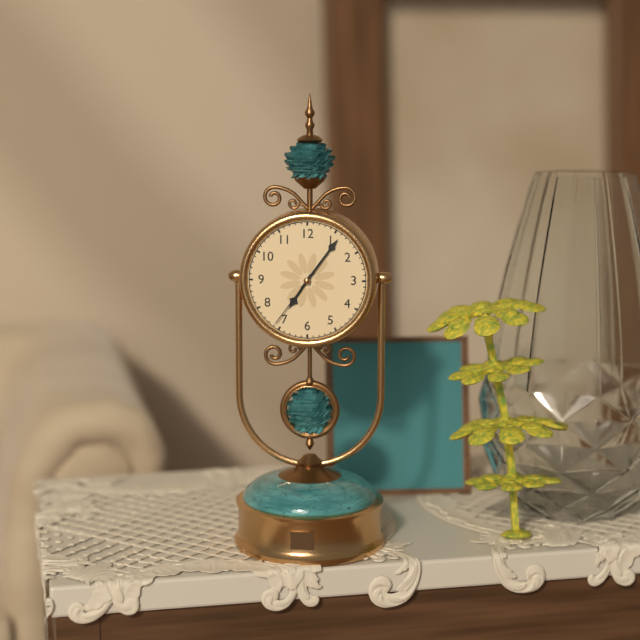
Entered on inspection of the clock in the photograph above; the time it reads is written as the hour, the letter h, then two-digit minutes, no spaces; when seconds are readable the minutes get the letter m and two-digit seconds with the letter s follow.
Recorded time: 7h06m36s
